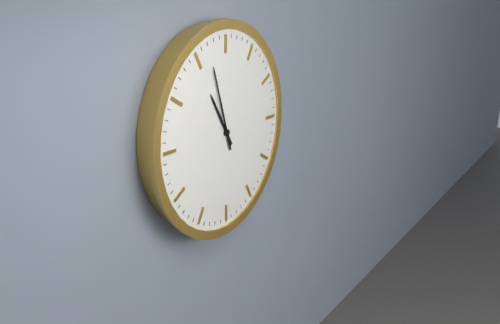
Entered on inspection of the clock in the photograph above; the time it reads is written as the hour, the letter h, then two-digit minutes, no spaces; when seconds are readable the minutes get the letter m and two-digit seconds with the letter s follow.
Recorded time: 10h57
